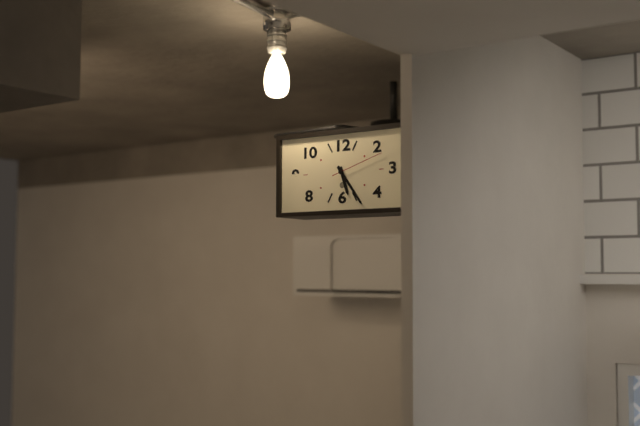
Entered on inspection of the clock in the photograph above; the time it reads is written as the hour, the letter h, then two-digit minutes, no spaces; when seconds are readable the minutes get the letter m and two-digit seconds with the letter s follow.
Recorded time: 5h24m12s
